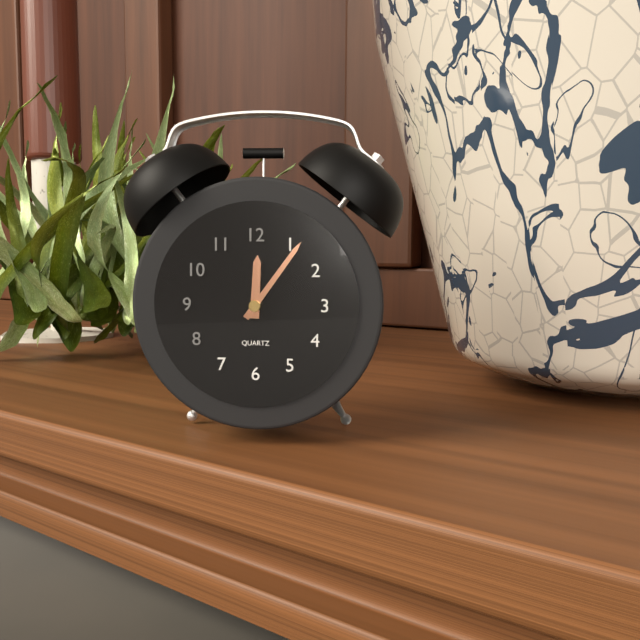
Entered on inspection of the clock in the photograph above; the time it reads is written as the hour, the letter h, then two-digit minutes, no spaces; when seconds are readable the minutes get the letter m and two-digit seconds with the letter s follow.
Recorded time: 12h06
